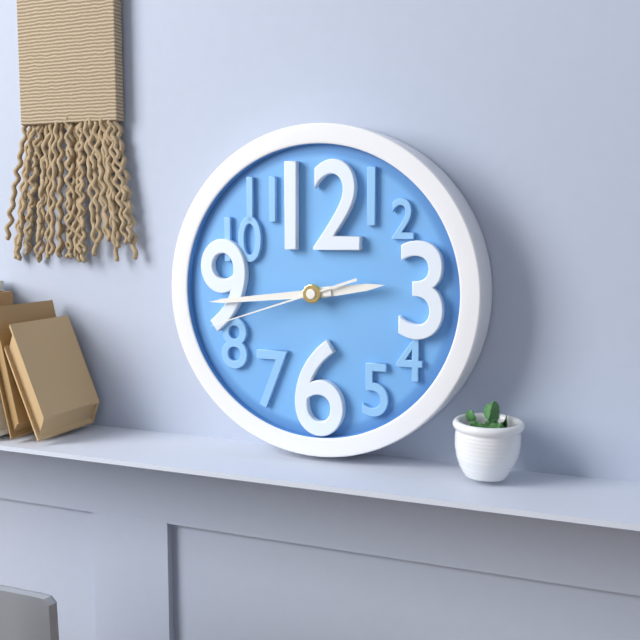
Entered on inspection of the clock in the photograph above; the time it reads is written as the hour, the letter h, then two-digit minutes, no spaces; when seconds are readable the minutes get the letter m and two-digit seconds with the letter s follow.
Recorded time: 2h44m42s
